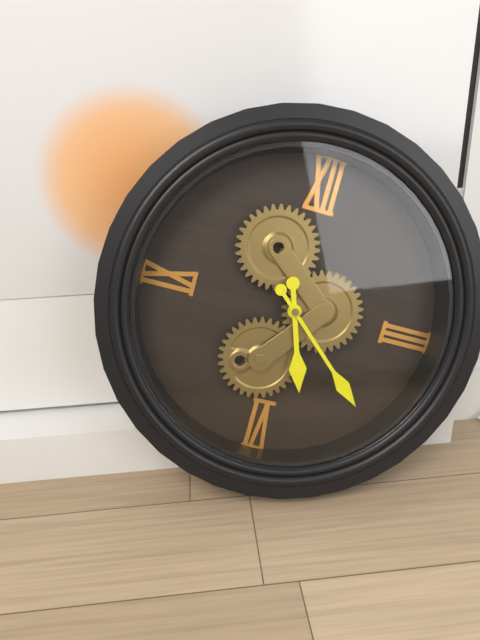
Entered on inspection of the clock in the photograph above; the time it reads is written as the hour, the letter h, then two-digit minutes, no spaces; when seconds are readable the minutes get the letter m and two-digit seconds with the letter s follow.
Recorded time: 5h22
